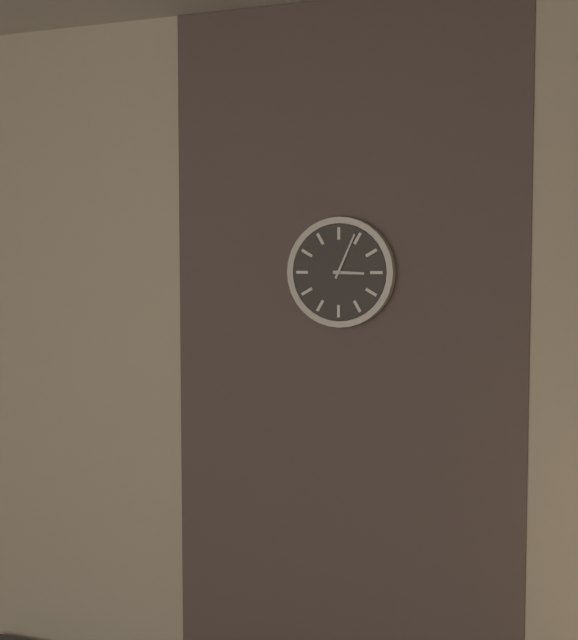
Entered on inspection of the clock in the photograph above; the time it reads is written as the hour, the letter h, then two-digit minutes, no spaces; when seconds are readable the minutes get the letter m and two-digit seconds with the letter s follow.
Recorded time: 3h04
